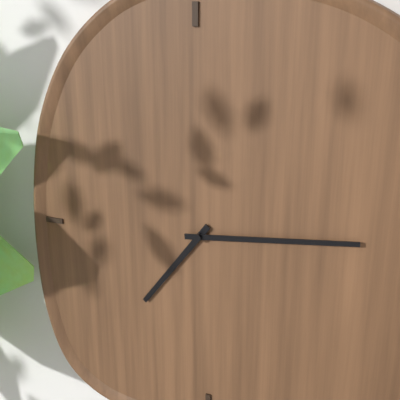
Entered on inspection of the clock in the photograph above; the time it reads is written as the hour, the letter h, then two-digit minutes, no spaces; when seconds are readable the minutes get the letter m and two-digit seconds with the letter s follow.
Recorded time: 7h14
